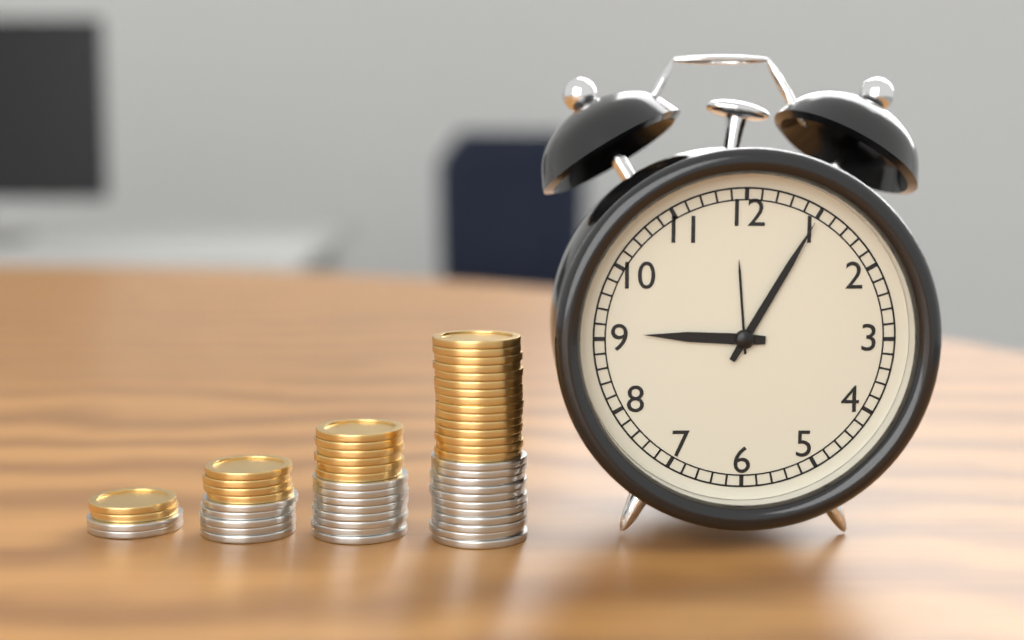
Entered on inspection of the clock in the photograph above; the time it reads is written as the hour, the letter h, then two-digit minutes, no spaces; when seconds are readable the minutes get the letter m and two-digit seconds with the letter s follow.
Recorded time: 9h05
